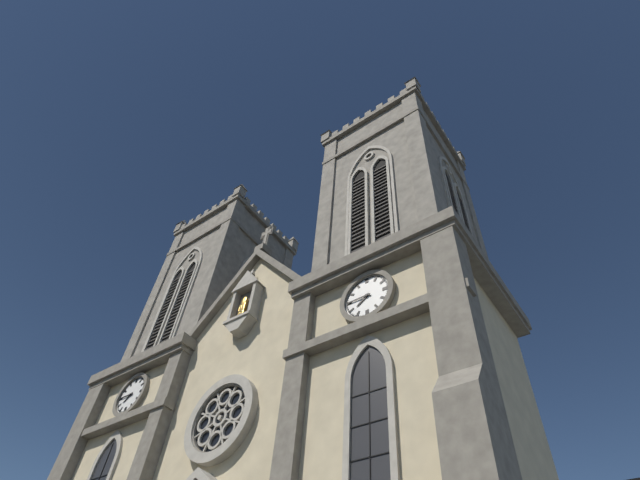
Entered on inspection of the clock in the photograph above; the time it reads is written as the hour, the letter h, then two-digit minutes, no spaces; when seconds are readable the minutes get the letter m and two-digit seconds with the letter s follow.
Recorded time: 7h45
